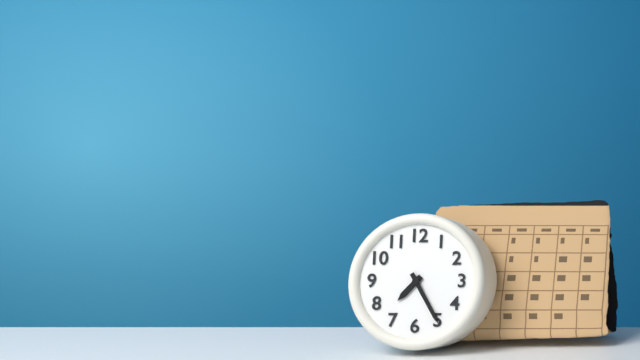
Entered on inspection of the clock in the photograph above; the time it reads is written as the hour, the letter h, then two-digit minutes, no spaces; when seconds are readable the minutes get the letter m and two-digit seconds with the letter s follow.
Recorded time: 7h25
